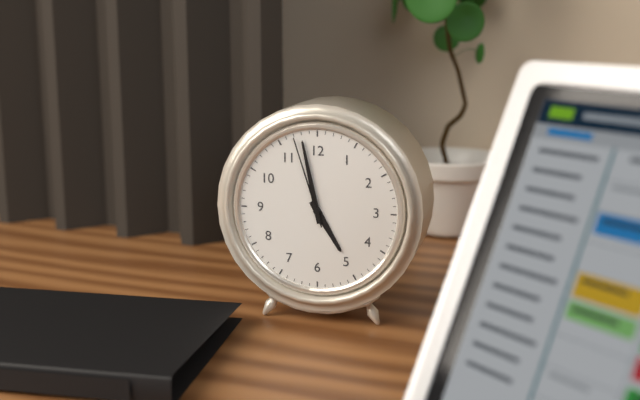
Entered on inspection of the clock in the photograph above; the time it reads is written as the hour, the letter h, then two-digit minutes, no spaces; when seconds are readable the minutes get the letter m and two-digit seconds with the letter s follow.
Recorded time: 4h58m57s
